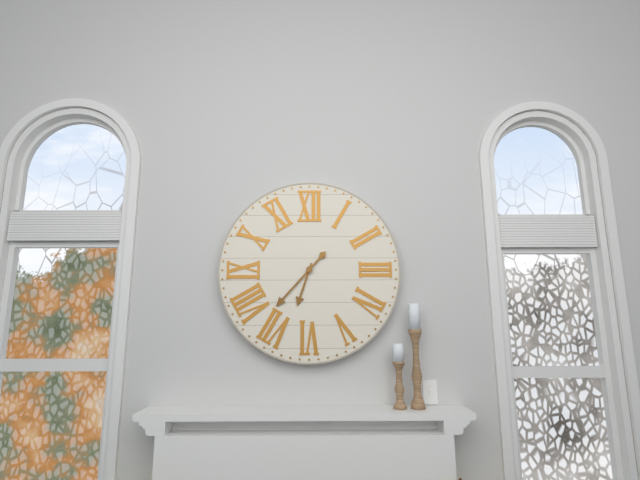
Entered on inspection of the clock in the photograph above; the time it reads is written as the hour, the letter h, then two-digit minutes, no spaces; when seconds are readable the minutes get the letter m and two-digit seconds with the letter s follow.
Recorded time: 6h37
